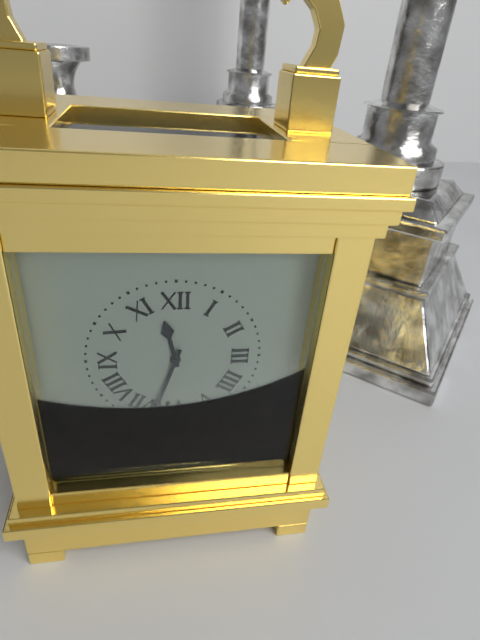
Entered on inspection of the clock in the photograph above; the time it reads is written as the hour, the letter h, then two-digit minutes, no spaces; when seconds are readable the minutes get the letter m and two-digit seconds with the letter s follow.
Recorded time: 11h33
